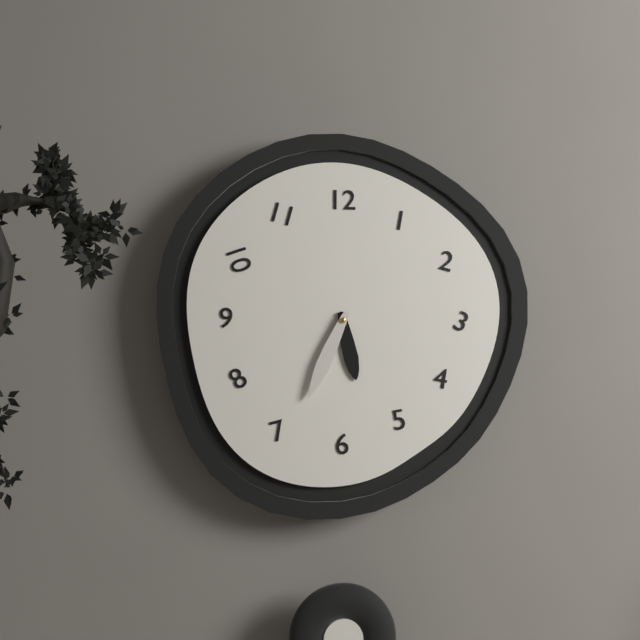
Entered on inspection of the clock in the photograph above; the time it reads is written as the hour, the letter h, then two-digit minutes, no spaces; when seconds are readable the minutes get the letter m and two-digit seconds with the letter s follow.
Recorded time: 5h34
